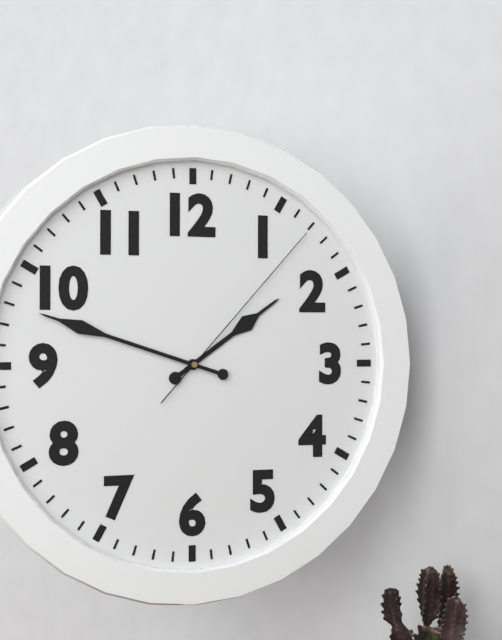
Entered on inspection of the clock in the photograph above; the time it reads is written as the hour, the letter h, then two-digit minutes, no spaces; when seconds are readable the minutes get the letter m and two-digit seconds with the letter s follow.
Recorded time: 1h48m07s
